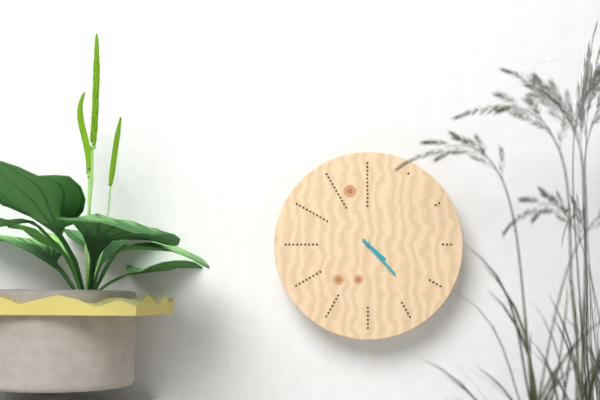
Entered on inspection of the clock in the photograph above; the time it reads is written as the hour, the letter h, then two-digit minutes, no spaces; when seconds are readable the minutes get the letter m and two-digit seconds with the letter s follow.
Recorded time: 4h23
